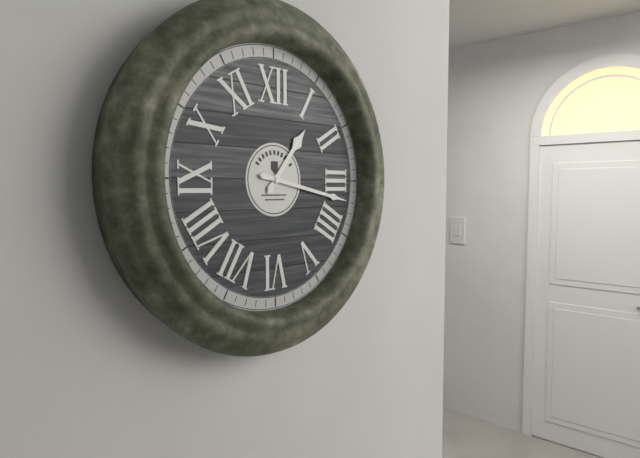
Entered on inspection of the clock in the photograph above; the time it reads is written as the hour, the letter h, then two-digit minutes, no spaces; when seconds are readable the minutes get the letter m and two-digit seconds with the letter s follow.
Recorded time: 1h17
